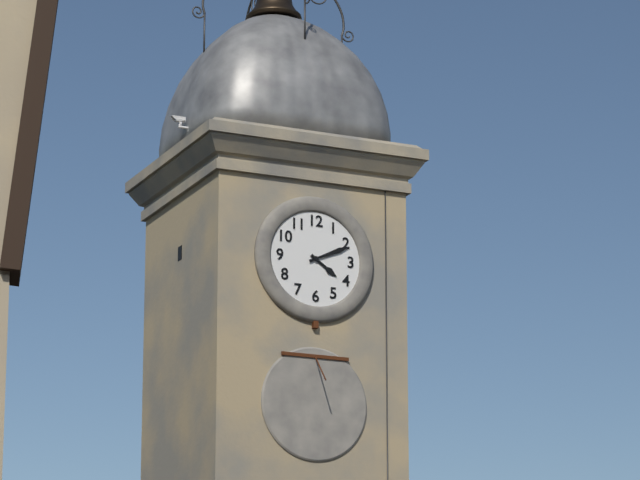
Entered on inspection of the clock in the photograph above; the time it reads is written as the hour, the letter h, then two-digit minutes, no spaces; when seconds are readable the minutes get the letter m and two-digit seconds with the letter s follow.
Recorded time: 4h11
